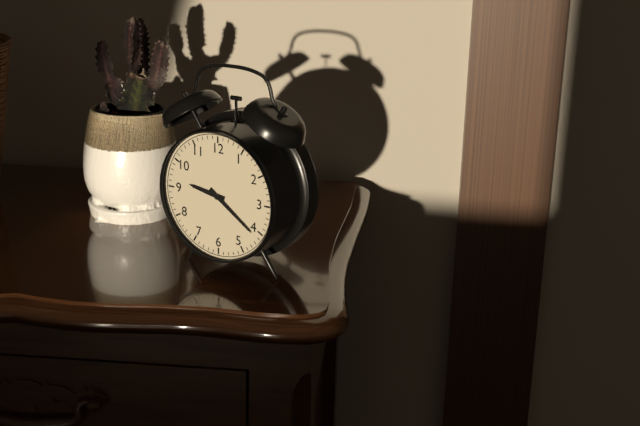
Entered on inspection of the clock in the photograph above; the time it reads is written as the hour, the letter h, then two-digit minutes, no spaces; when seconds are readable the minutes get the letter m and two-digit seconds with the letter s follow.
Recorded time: 9h21
